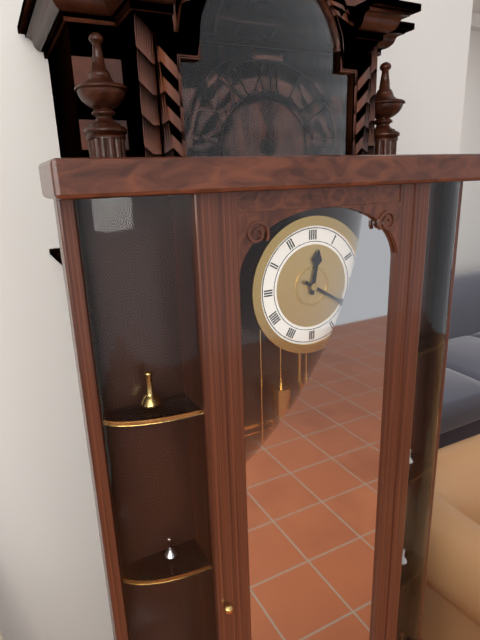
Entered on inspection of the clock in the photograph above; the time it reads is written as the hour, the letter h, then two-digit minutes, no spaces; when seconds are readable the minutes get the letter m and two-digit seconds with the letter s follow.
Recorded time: 12h20
